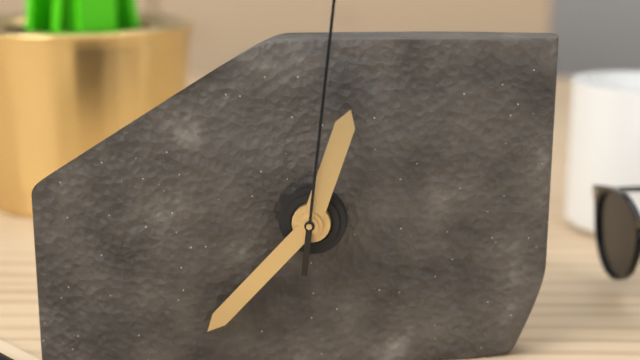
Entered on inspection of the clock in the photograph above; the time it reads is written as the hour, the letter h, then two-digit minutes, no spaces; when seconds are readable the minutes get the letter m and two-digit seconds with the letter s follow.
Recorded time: 12h37
